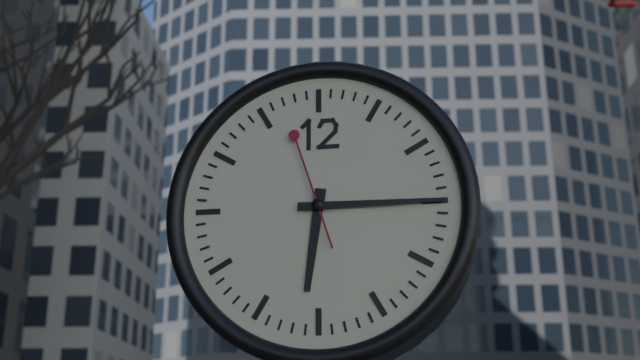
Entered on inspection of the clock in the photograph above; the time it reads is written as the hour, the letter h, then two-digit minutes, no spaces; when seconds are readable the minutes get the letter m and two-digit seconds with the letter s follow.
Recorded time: 6h15m57s
